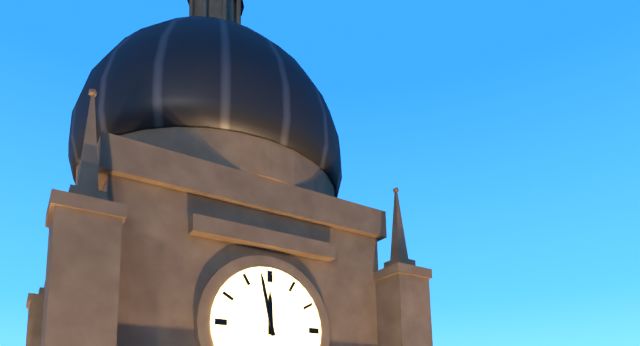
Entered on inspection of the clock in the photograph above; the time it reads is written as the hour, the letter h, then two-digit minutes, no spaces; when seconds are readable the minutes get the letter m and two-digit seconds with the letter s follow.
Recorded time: 11h58
